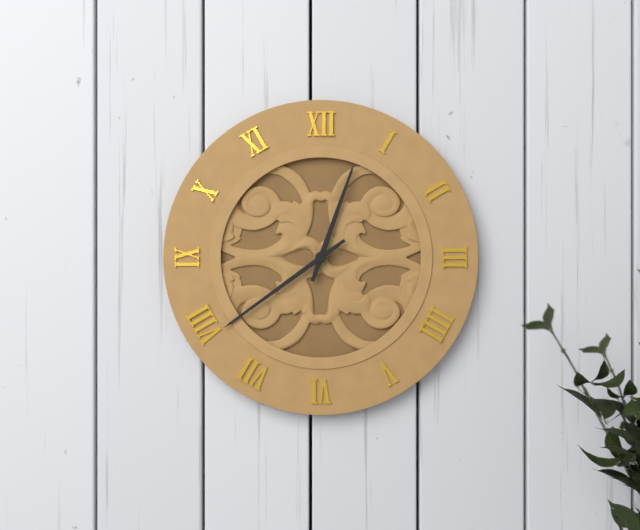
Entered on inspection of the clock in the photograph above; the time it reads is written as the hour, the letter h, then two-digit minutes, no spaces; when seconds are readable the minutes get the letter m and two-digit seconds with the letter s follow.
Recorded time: 12h39
